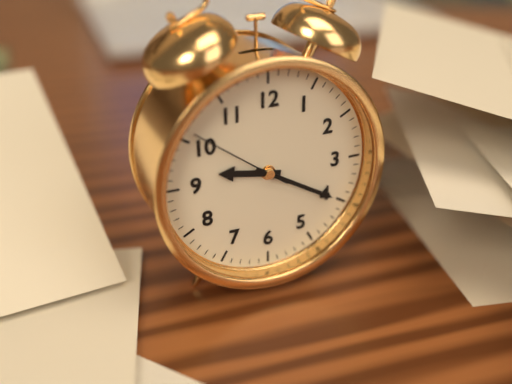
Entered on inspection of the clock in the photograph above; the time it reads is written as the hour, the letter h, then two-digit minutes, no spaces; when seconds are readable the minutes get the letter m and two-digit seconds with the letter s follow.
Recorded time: 9h20m51s
